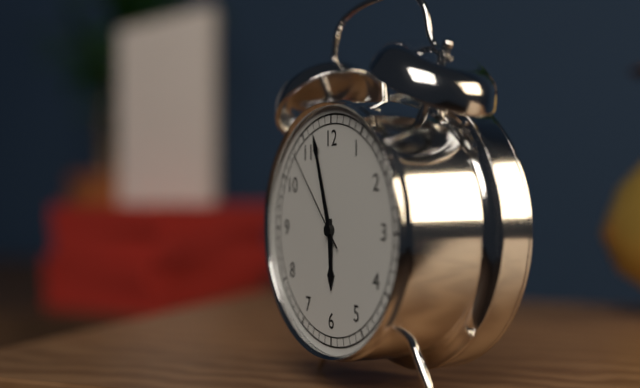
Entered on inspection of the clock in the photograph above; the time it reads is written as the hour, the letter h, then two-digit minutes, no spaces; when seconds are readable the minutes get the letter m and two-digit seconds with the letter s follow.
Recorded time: 5h57m53s
